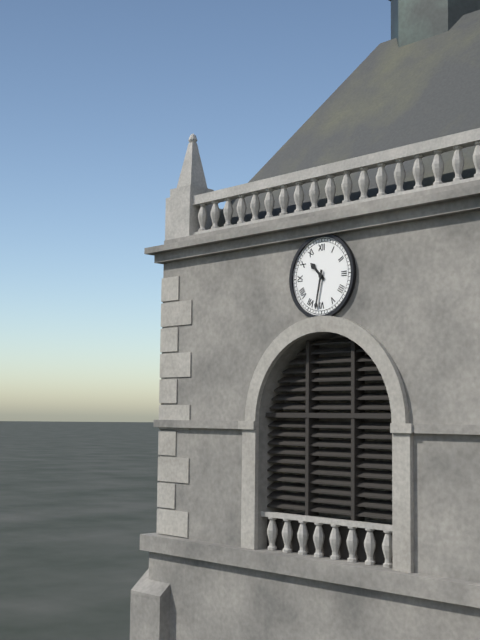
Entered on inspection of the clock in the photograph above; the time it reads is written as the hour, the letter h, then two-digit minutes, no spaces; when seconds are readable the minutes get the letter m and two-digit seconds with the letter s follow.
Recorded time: 10h32
